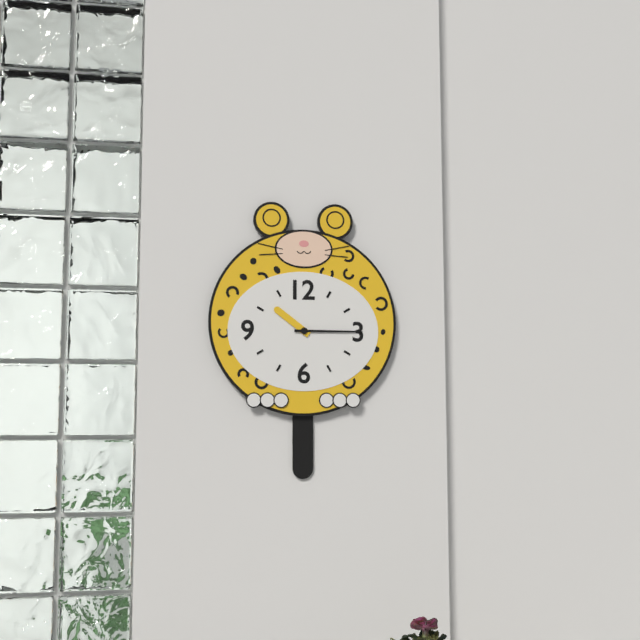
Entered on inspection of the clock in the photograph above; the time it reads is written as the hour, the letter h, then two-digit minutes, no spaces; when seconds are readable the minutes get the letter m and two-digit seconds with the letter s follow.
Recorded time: 10h15
